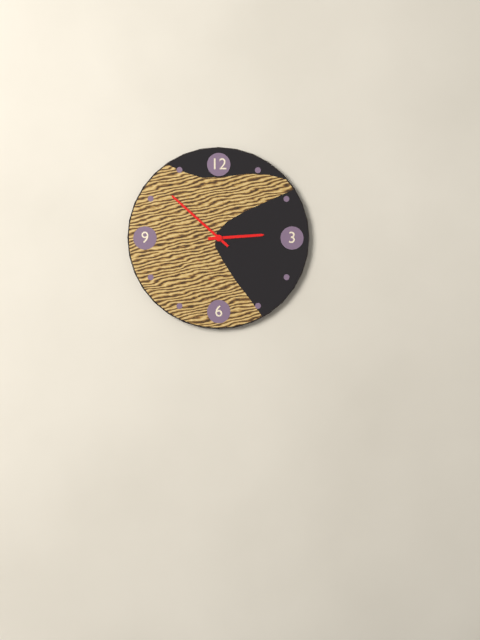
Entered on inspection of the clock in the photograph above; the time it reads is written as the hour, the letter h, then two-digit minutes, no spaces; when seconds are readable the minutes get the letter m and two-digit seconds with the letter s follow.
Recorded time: 2h52
